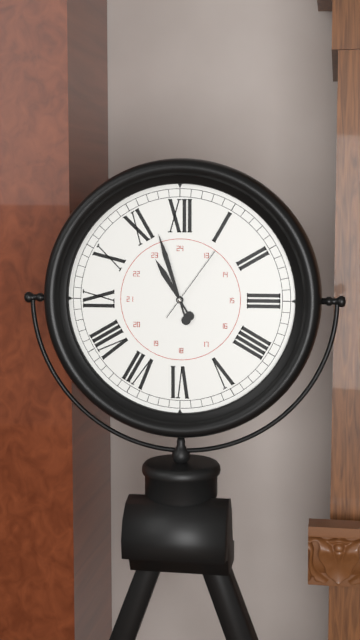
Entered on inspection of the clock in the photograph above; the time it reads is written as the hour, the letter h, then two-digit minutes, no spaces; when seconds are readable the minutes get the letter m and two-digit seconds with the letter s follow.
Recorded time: 10h57m06s
